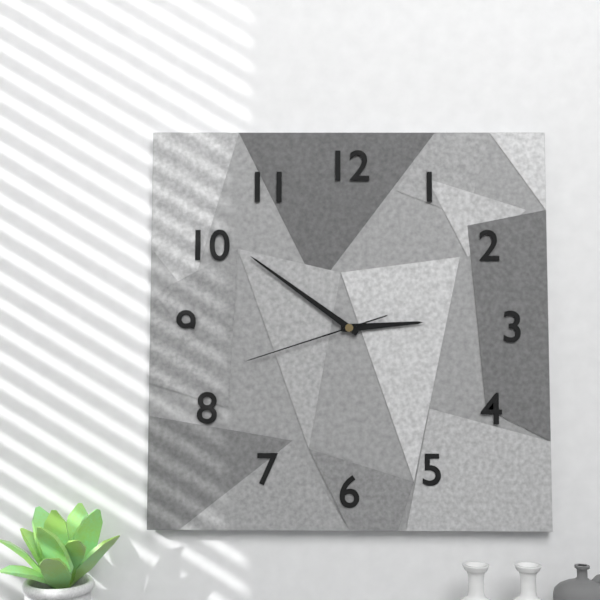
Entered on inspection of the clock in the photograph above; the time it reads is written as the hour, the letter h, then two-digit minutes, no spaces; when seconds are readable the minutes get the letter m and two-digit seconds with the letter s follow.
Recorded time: 2h51m42s
